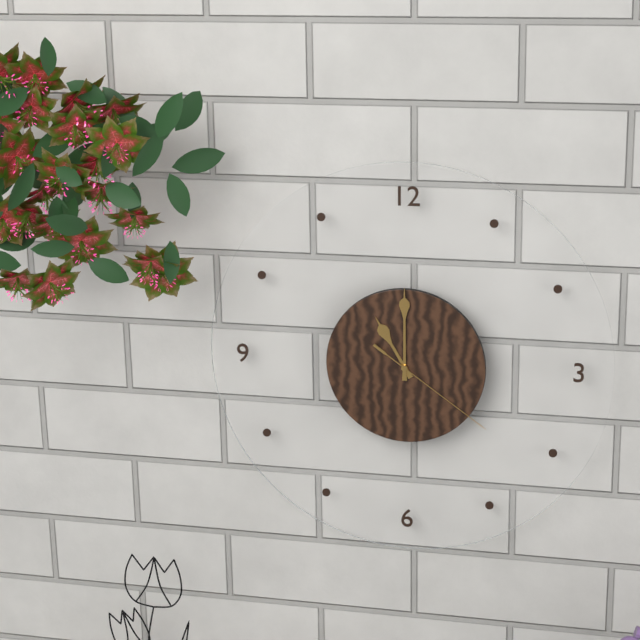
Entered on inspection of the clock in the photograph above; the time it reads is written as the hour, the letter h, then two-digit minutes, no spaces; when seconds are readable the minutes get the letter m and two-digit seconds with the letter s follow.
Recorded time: 11h00m21s
